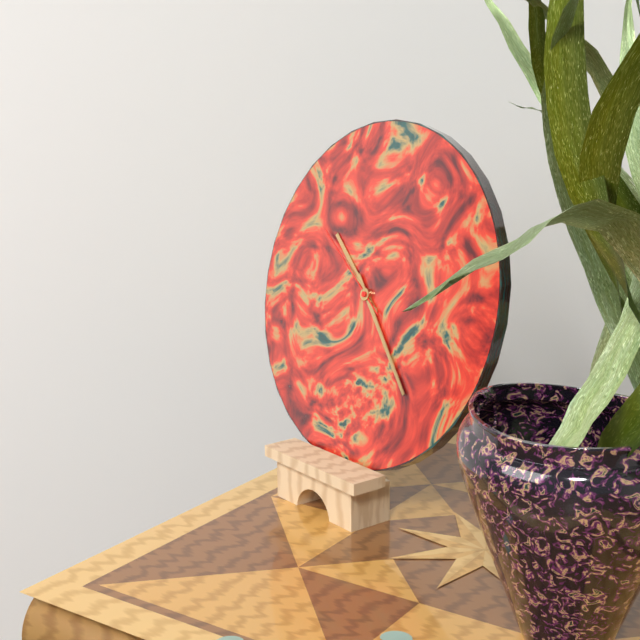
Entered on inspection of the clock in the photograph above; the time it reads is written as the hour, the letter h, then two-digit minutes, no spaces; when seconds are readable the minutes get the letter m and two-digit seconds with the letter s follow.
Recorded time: 10h23m51s
